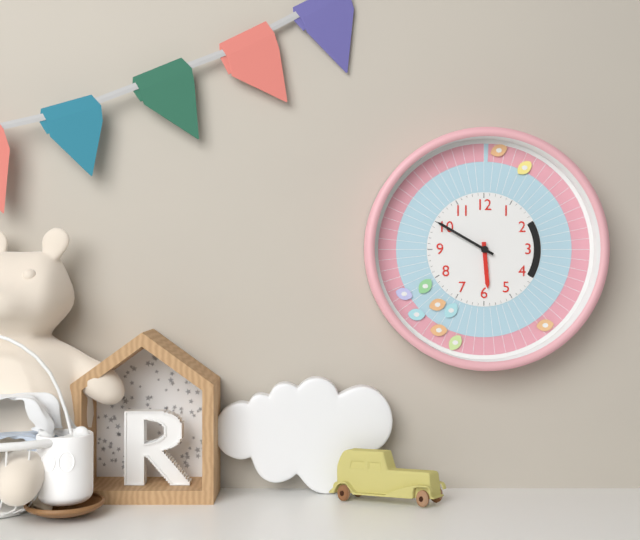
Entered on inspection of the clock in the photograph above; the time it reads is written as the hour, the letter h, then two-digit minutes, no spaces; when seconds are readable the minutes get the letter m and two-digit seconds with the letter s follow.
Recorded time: 5h50
